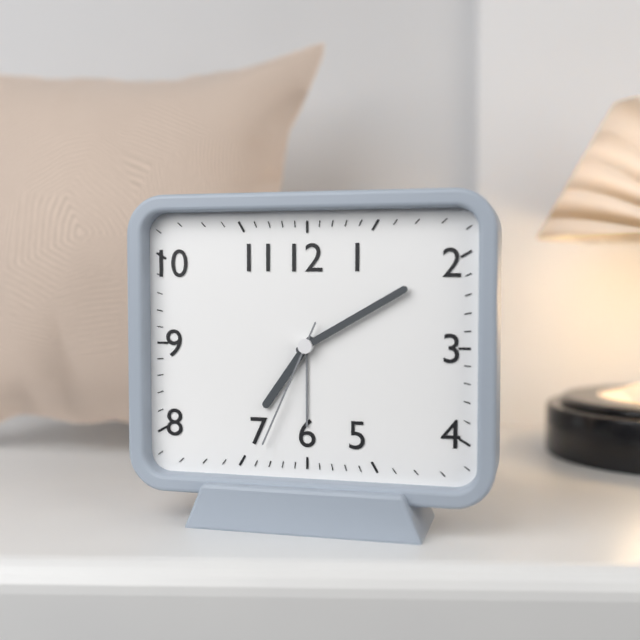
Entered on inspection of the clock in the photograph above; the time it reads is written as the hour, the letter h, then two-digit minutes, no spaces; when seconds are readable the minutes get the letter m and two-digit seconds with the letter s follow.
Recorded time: 7h10m34s
